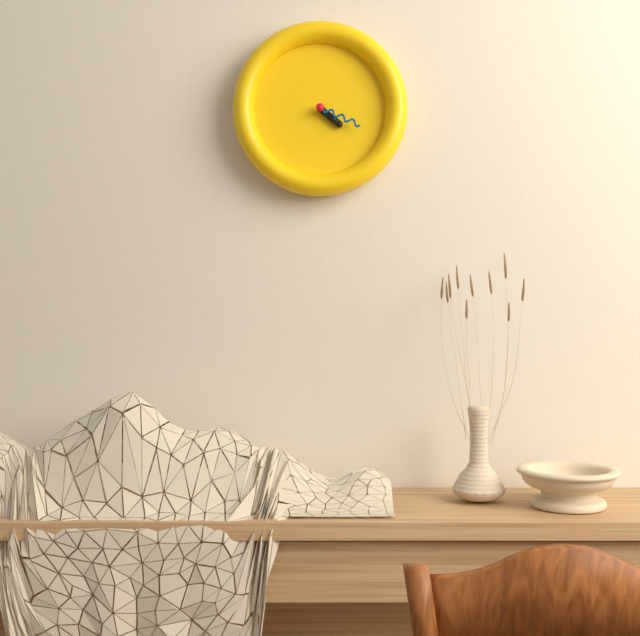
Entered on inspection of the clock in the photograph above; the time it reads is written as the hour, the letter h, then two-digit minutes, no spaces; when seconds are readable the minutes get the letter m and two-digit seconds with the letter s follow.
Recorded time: 4h19
